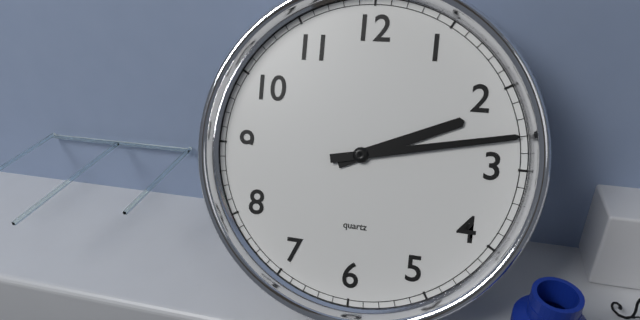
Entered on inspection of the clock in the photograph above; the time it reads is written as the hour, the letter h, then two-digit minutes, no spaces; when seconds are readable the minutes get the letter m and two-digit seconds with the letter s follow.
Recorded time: 2h13
